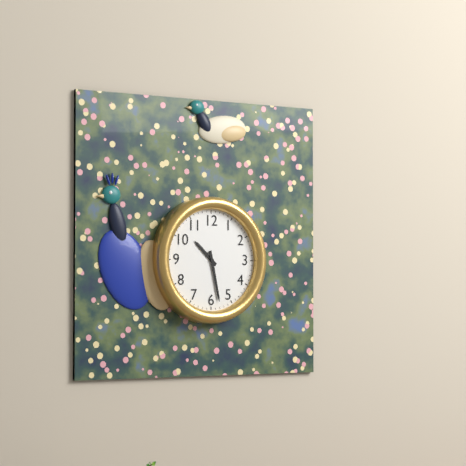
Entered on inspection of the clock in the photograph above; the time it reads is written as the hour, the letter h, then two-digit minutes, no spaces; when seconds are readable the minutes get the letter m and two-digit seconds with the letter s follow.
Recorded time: 10h28
